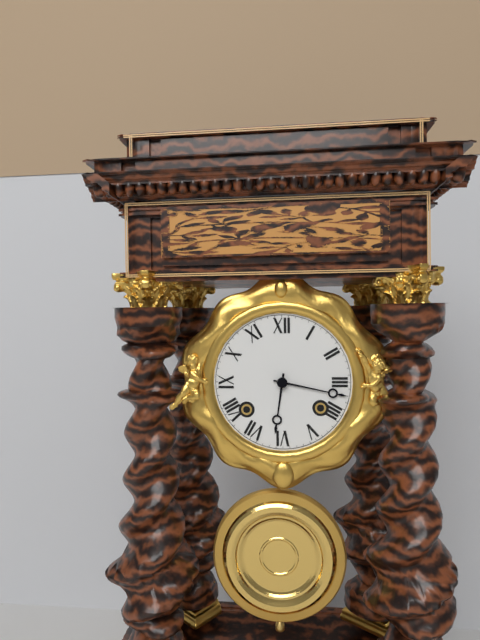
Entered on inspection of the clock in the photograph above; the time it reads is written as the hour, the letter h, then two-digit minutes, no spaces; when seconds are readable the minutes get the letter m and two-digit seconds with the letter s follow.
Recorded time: 6h17
